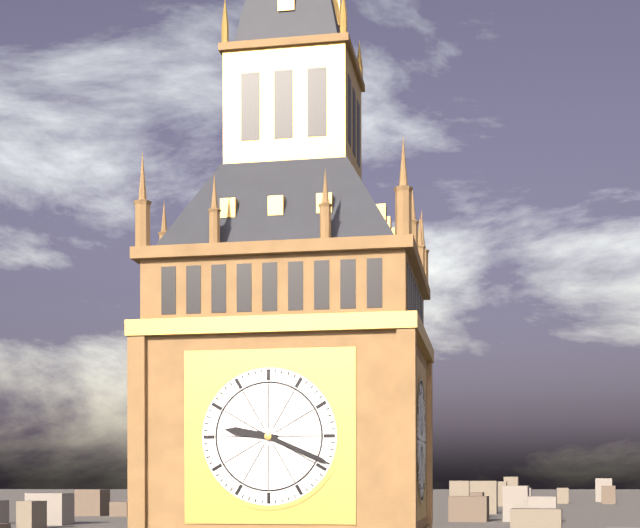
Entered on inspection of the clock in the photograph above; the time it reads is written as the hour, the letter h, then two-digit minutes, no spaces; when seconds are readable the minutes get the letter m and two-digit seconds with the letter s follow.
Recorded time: 9h19
